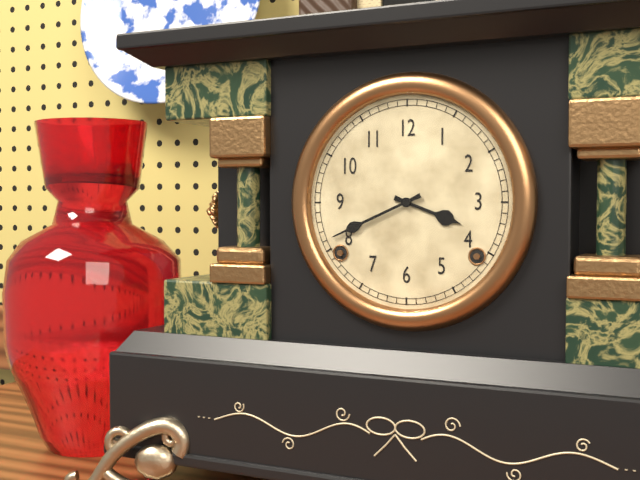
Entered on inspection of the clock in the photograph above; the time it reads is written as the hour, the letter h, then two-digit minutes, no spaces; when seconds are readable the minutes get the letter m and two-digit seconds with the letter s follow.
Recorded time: 3h41
